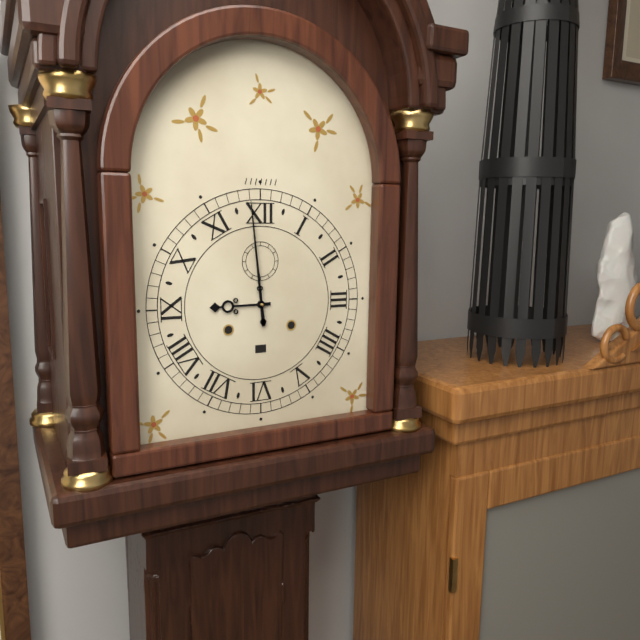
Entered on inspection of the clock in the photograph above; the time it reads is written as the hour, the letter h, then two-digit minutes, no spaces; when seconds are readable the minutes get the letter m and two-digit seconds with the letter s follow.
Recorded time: 8h59
